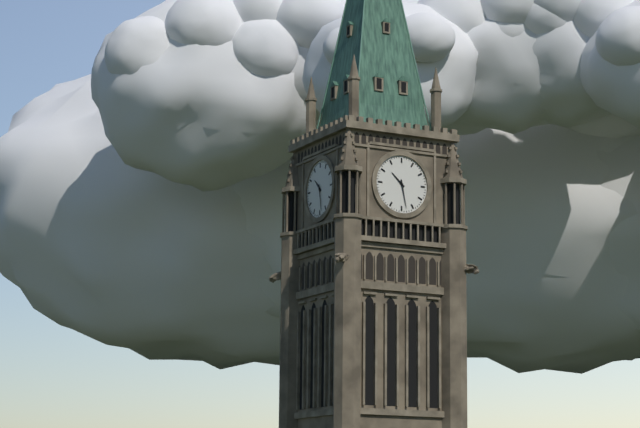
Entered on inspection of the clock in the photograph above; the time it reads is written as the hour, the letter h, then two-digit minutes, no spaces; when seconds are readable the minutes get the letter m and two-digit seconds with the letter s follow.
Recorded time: 10h28
